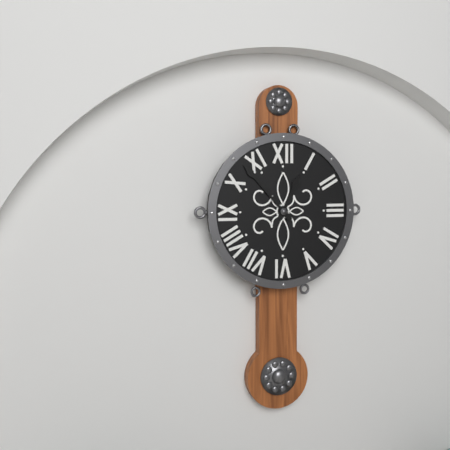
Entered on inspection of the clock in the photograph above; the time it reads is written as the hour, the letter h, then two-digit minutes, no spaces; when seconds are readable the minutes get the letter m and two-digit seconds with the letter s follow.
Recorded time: 12h53
